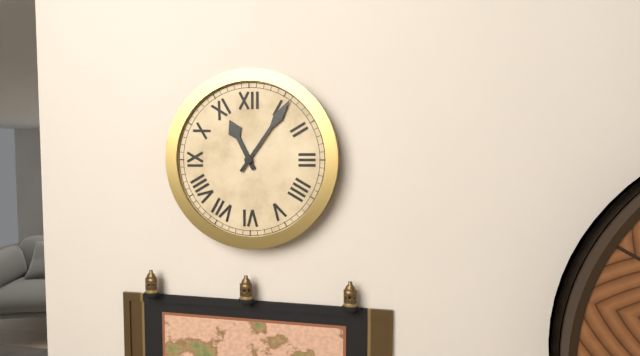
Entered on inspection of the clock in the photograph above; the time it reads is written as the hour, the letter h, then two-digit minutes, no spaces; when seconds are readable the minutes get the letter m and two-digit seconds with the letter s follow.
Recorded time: 11h06
